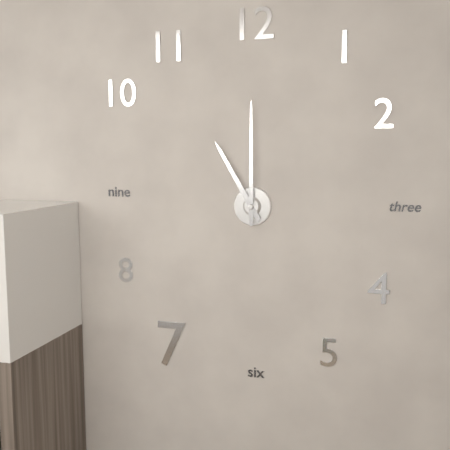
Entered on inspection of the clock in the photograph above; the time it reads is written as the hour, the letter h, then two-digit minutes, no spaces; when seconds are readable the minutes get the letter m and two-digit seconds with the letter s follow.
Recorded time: 11h00
